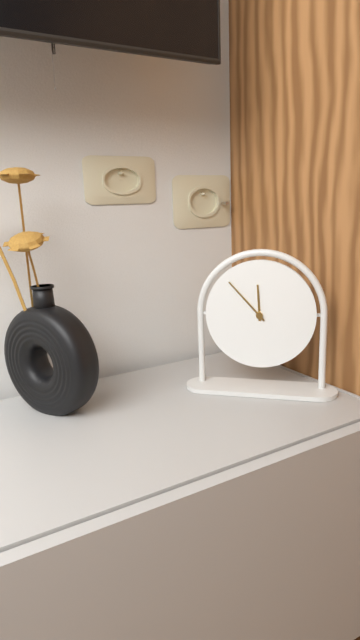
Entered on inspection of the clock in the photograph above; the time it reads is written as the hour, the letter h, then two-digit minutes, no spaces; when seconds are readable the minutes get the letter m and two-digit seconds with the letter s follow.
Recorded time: 11h53
